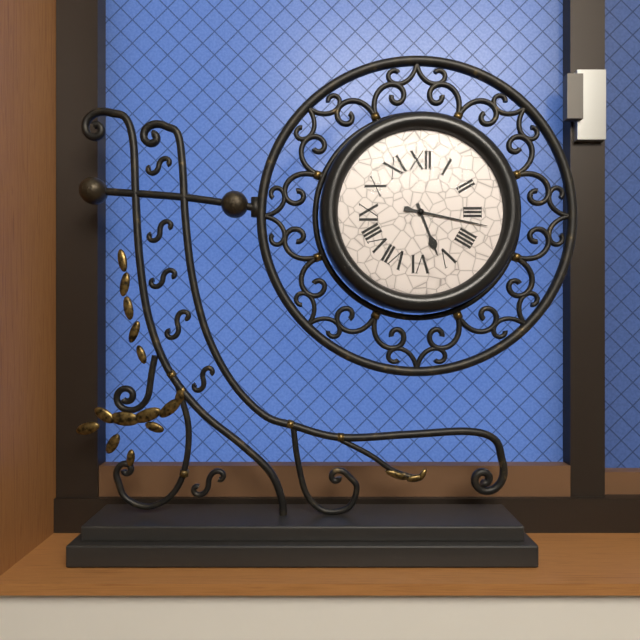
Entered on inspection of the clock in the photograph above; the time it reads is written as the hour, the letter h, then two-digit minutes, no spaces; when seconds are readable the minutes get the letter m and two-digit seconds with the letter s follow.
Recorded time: 5h17
